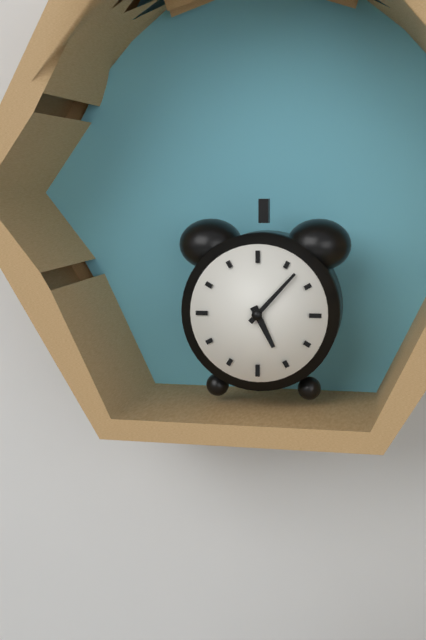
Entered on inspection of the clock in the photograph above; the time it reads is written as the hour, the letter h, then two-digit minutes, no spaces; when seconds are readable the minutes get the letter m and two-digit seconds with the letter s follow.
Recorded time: 5h07
